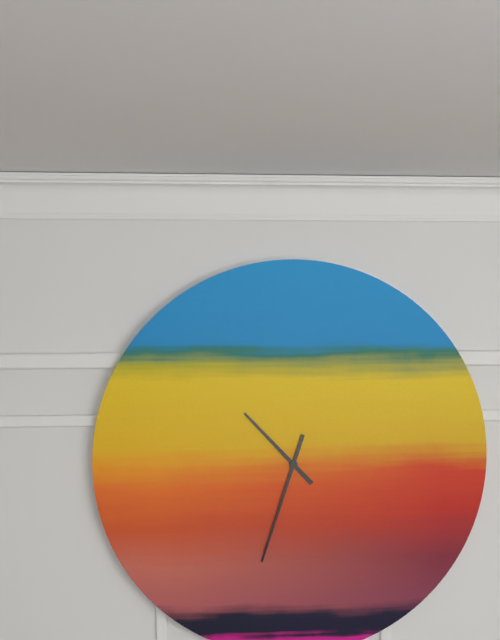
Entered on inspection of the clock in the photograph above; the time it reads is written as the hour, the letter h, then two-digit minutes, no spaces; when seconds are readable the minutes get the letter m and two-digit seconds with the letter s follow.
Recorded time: 10h33
